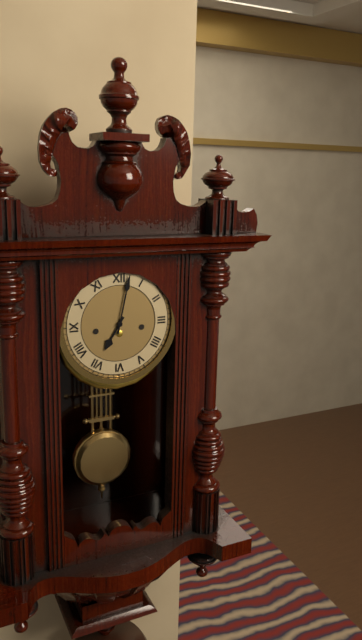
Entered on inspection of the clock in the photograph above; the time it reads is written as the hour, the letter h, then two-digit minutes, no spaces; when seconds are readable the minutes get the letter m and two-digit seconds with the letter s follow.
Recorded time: 7h02
